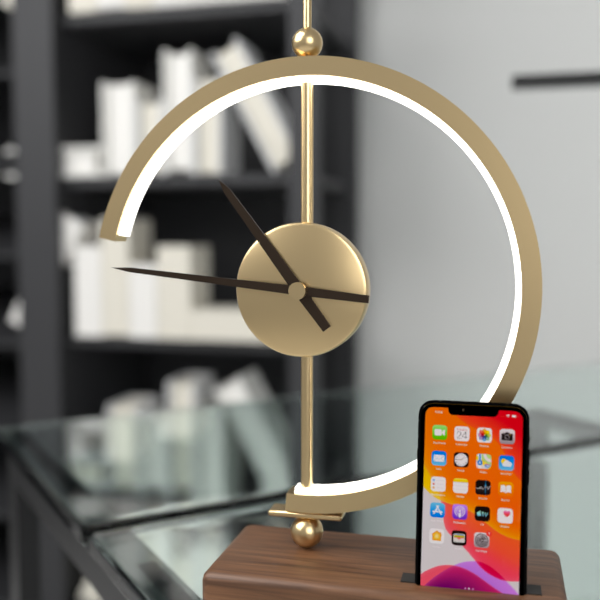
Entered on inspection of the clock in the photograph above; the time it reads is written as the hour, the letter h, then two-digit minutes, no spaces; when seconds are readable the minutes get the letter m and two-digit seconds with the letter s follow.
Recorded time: 10h46
